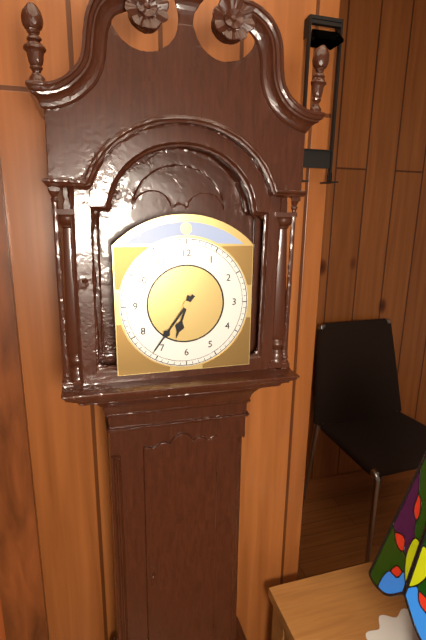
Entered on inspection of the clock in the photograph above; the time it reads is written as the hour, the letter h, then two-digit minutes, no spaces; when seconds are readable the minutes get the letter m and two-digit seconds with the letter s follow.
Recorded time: 6h36
